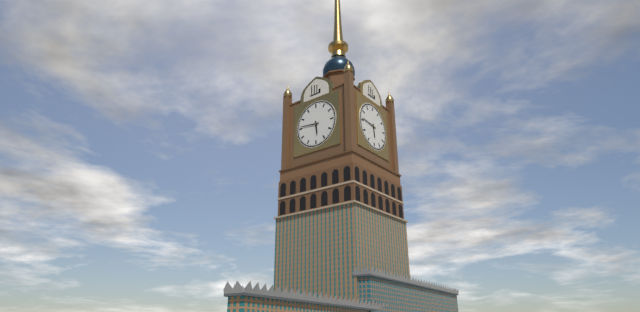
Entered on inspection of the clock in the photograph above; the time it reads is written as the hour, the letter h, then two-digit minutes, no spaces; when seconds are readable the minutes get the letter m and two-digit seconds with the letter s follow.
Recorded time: 5h46
